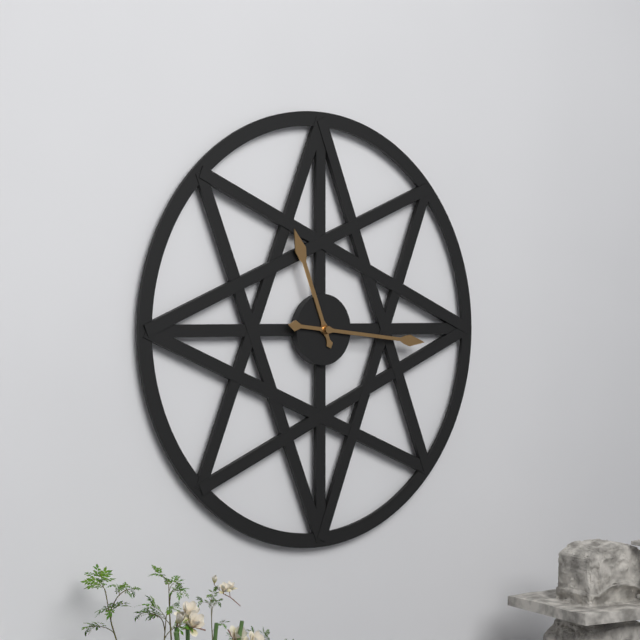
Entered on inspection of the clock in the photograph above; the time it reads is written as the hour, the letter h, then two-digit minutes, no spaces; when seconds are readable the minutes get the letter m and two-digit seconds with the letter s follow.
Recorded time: 11h16
